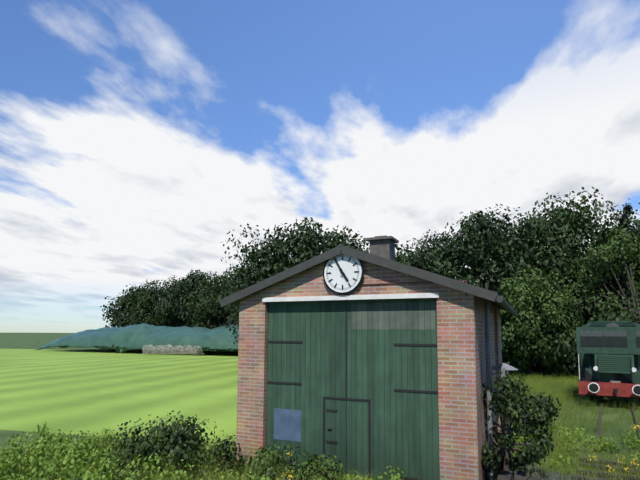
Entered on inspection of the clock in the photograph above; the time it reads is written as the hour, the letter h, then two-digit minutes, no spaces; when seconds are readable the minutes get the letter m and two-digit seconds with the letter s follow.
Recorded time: 4h55
